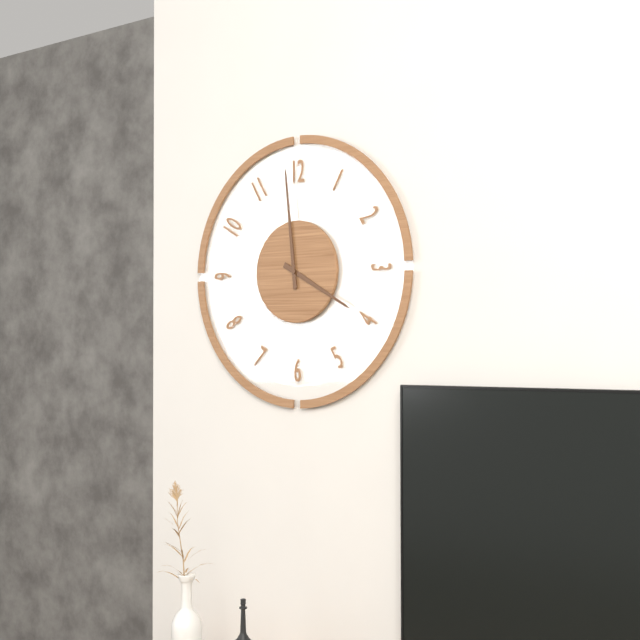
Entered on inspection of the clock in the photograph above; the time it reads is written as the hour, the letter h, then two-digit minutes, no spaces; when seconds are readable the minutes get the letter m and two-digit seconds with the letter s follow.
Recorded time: 3h59
